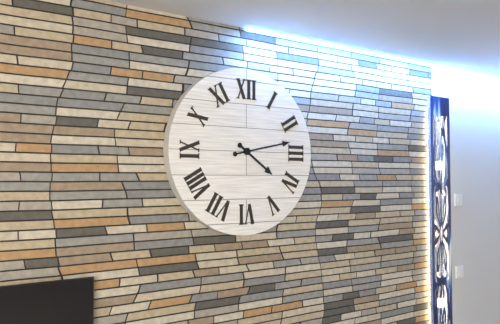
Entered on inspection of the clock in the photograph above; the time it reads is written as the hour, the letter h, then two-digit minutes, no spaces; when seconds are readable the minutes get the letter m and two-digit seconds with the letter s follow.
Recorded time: 4h13
